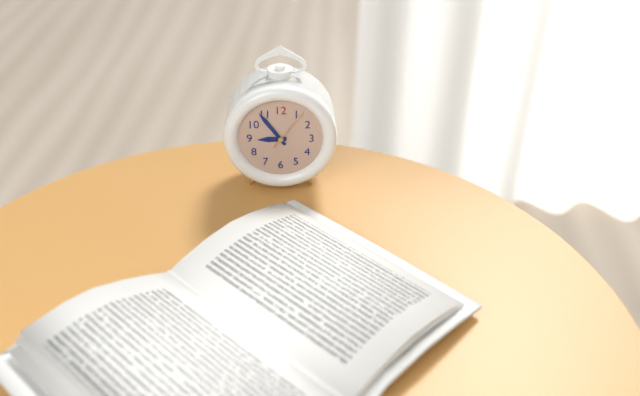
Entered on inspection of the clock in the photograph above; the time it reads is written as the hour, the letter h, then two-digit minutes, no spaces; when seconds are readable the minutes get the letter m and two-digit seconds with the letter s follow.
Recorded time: 8h54
